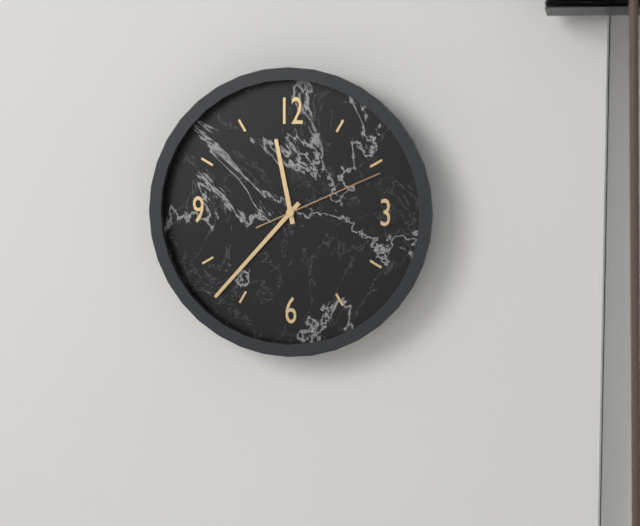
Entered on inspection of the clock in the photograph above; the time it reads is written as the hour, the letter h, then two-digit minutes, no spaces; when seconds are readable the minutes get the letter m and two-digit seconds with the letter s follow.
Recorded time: 11h37m11s
